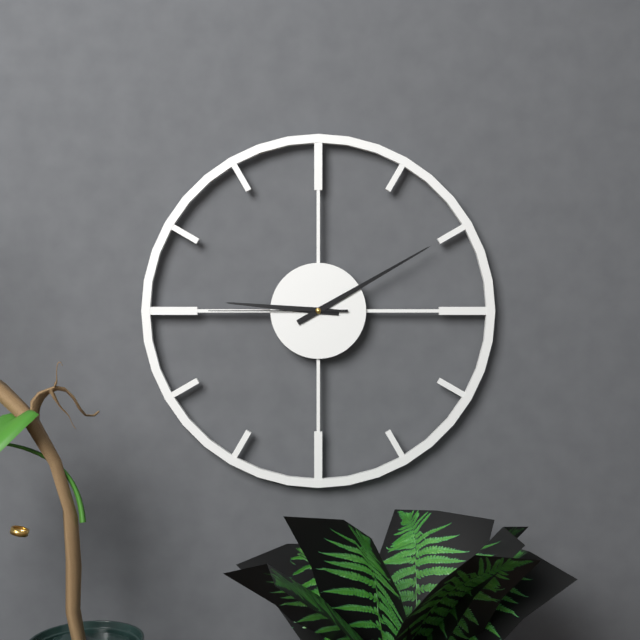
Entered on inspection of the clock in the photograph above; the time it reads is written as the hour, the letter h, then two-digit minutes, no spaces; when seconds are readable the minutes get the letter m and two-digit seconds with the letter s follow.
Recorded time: 9h10m45s
